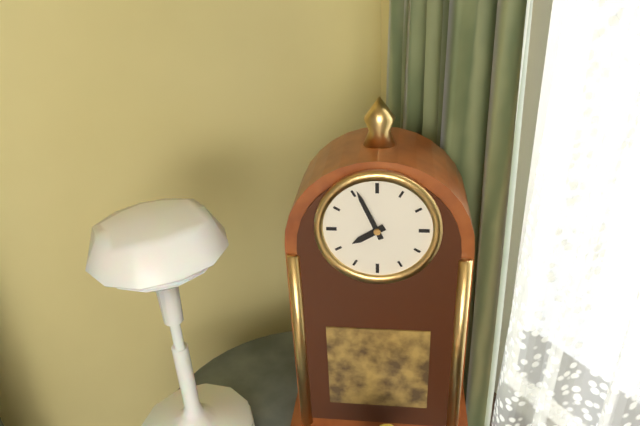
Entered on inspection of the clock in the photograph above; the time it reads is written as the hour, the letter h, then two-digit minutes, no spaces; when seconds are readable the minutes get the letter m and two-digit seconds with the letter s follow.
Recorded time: 7h56
